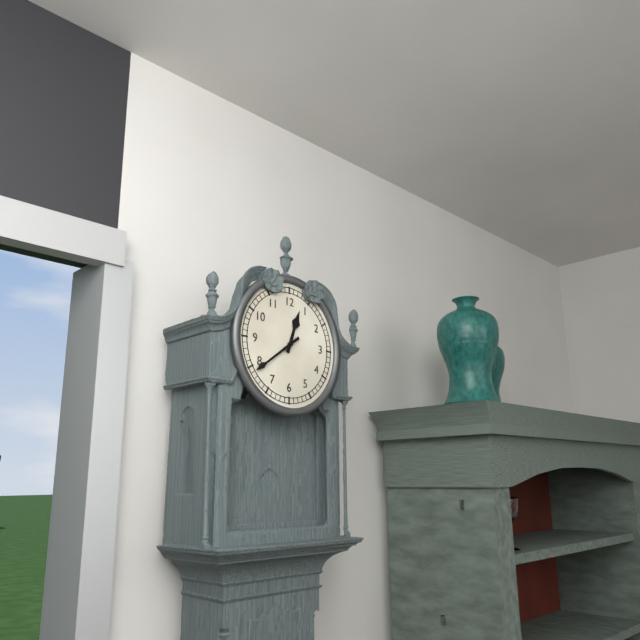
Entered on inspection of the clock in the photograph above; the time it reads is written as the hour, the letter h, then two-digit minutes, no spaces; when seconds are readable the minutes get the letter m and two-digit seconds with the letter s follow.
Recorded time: 12h39
